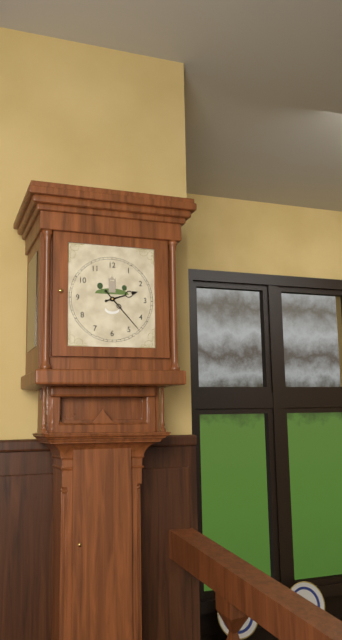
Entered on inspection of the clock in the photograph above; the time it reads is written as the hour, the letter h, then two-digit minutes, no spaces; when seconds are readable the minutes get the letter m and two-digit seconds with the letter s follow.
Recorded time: 2h23
